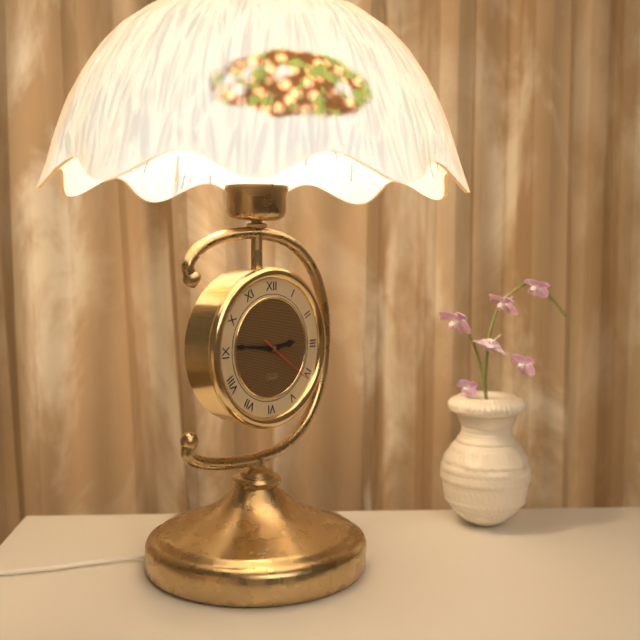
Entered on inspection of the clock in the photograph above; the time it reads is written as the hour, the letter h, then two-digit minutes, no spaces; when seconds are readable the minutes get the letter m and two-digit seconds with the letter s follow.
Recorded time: 2h46m21s
